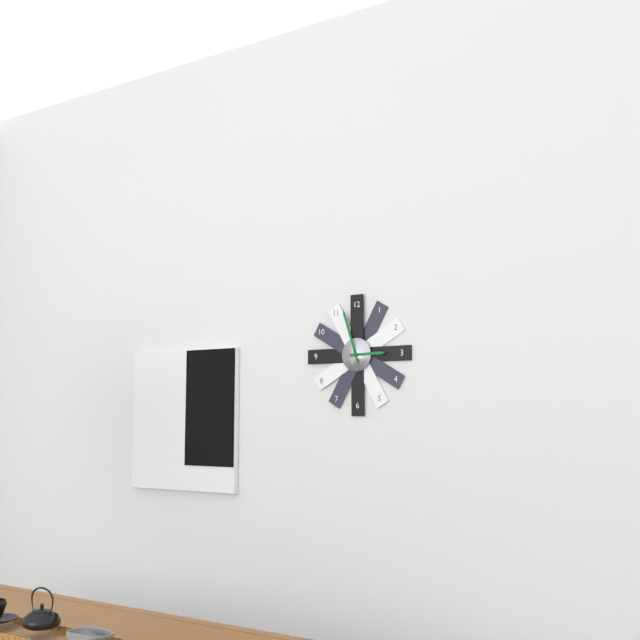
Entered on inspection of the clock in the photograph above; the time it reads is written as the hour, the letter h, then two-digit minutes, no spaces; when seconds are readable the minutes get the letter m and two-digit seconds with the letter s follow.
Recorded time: 2h57
